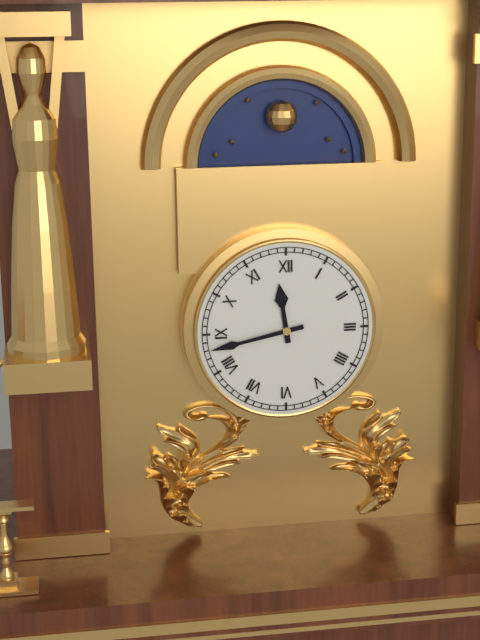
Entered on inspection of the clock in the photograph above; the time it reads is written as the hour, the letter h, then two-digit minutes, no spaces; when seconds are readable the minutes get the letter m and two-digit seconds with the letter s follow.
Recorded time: 11h43
